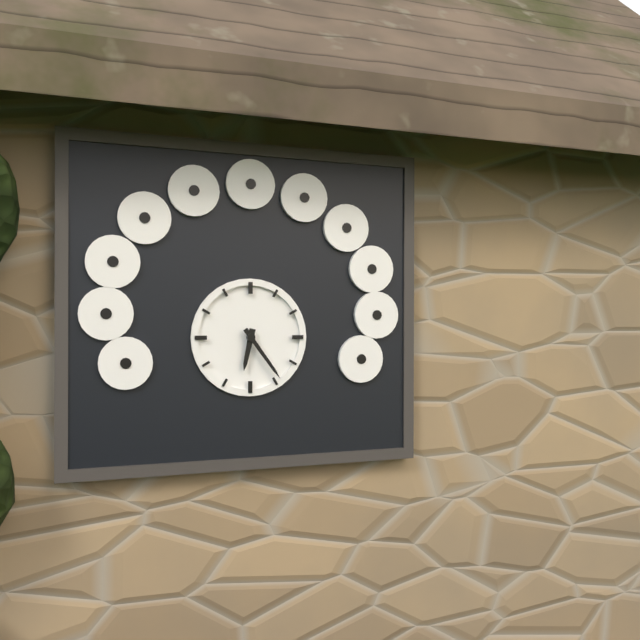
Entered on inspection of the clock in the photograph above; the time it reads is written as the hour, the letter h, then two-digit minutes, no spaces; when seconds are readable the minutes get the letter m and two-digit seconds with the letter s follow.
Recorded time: 6h24
